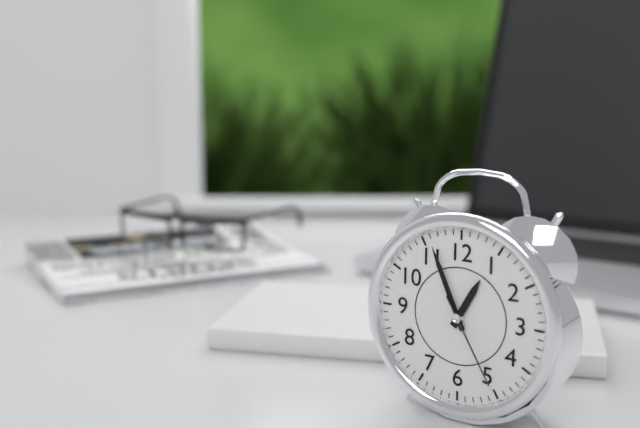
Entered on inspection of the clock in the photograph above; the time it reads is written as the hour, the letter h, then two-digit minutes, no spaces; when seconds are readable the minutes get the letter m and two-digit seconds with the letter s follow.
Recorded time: 12h56m25s
